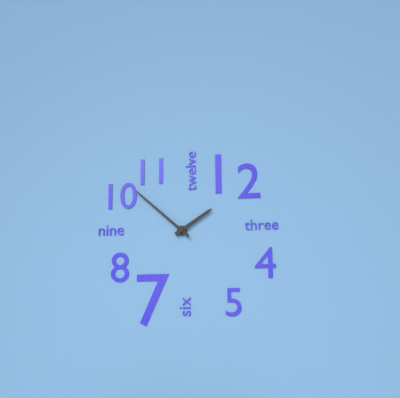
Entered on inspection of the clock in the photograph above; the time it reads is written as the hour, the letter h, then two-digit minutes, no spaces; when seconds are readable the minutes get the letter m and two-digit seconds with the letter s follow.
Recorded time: 1h52
